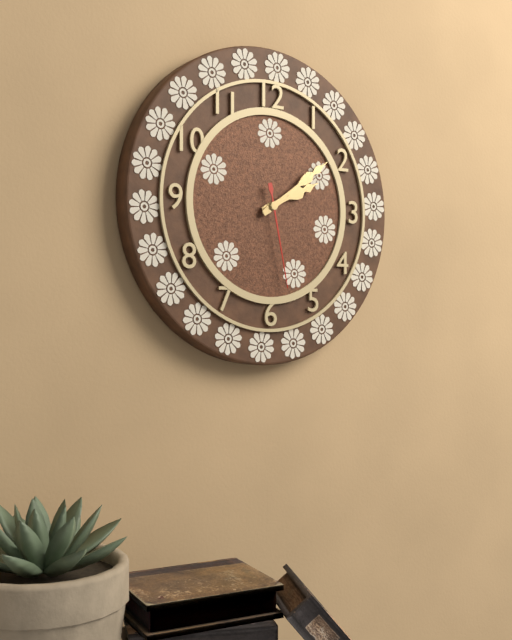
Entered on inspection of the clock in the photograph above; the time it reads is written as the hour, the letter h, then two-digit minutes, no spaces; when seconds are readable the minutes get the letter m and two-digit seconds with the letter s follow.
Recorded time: 2h09m28s
